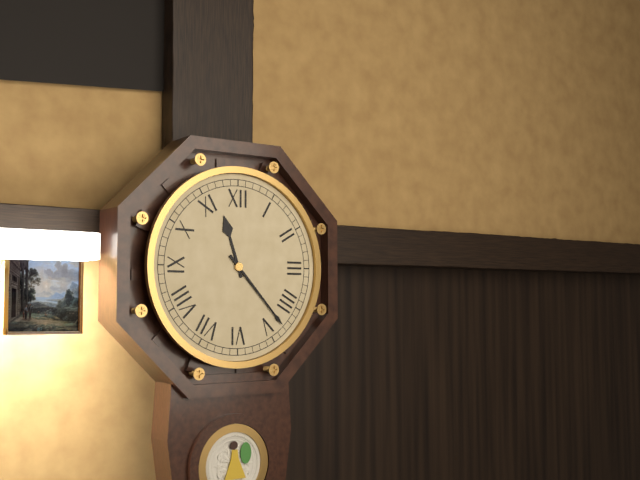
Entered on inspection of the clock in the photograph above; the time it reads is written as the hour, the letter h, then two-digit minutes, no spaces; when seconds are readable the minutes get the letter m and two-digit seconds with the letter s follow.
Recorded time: 11h23
